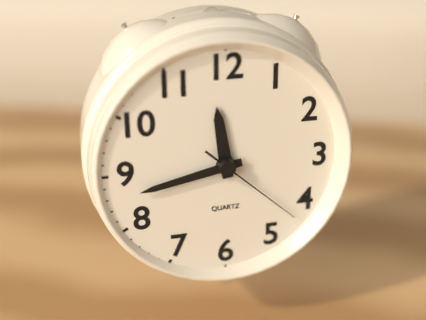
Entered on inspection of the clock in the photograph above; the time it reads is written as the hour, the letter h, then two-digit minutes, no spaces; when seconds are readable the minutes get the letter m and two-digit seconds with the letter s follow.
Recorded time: 11h43m22s
